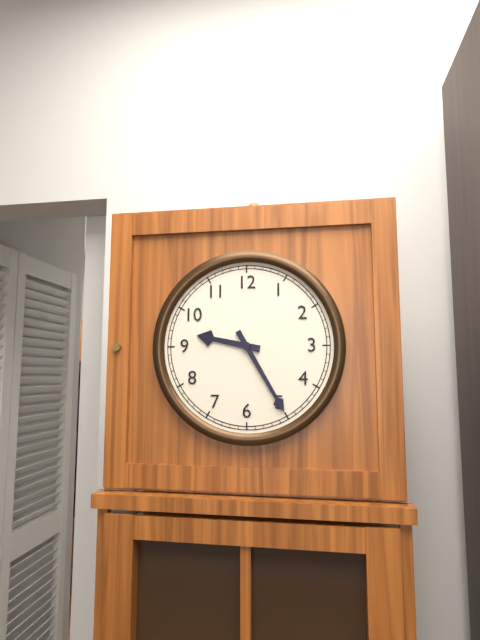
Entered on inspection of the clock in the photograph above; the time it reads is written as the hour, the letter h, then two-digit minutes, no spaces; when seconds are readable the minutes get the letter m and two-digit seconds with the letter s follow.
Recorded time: 9h25
